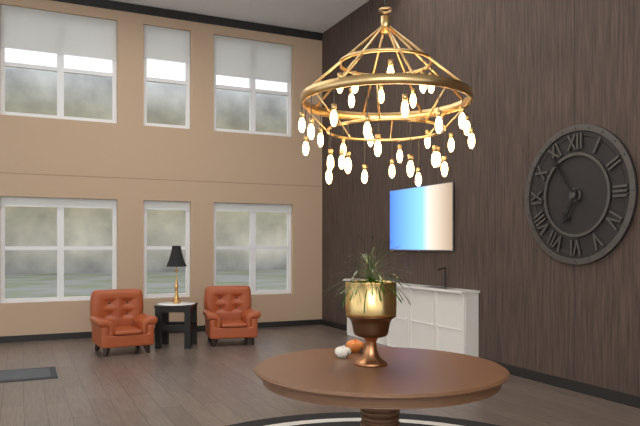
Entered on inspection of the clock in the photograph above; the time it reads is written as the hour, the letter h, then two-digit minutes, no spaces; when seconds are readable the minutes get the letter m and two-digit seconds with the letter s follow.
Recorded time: 6h54
